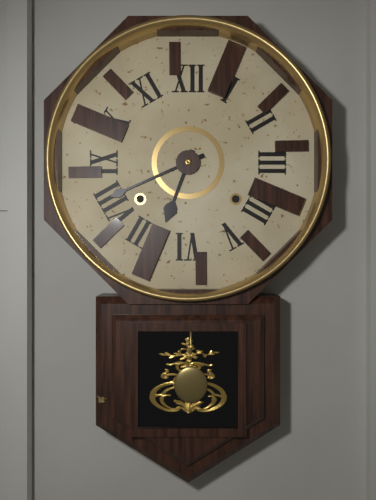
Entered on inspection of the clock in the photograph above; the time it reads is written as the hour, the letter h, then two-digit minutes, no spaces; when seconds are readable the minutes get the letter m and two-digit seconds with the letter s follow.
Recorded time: 6h41
